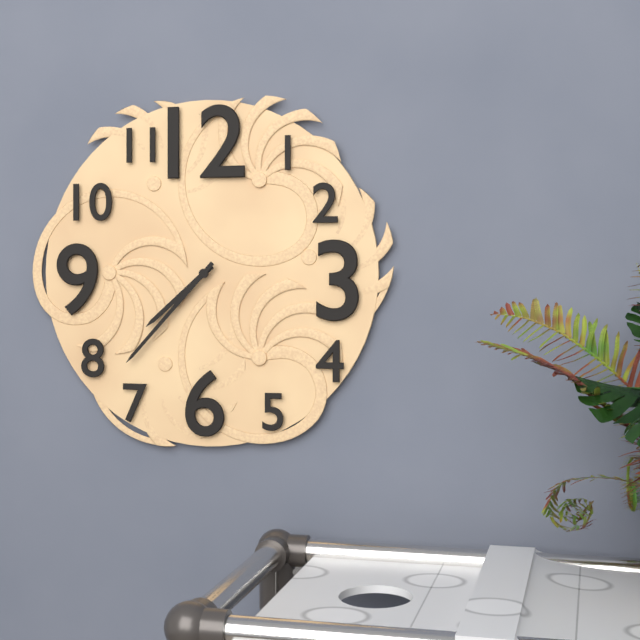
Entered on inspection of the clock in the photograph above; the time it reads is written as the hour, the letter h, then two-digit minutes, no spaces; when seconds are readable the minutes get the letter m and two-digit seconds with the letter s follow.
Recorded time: 7h37
